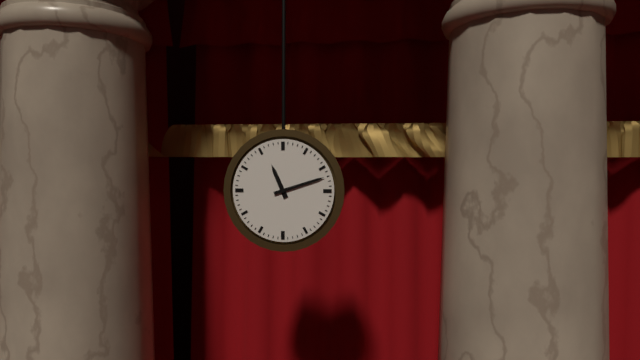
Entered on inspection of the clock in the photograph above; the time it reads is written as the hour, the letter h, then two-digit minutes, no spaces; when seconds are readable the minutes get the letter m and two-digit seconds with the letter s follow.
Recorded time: 11h12
